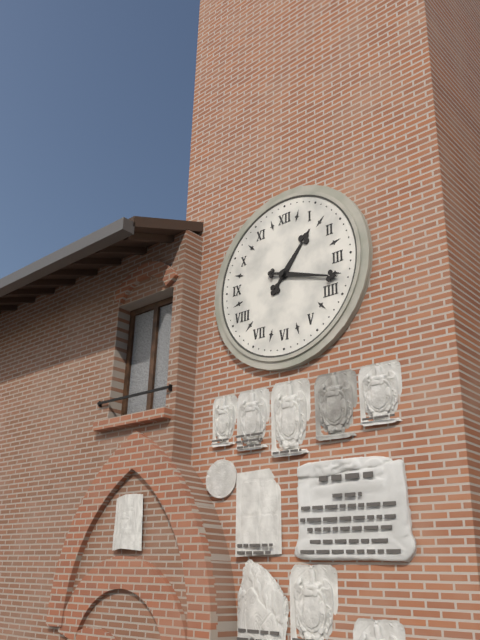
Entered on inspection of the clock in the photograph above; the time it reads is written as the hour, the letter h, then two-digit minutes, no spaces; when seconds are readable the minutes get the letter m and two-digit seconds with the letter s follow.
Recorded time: 1h18
